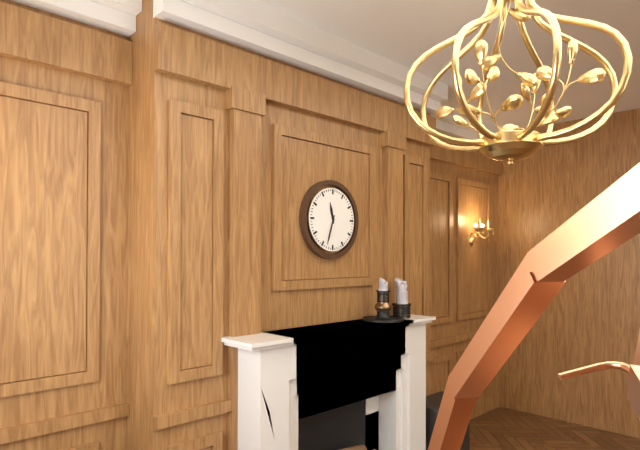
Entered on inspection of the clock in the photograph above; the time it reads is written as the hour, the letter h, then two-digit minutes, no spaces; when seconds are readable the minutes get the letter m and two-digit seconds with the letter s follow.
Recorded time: 11h33
